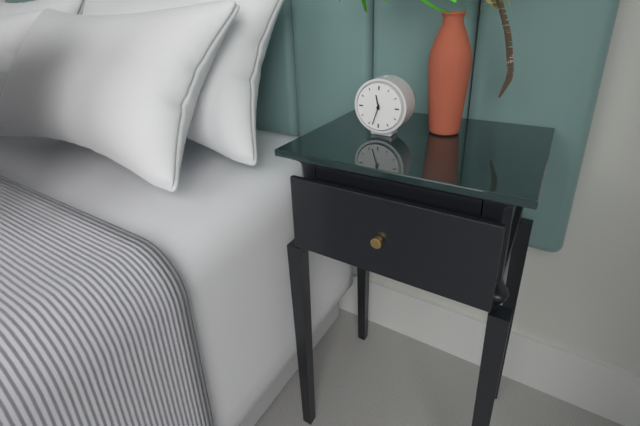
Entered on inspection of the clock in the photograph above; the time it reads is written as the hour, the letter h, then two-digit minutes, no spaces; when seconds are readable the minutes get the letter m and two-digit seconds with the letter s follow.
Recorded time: 11h33
